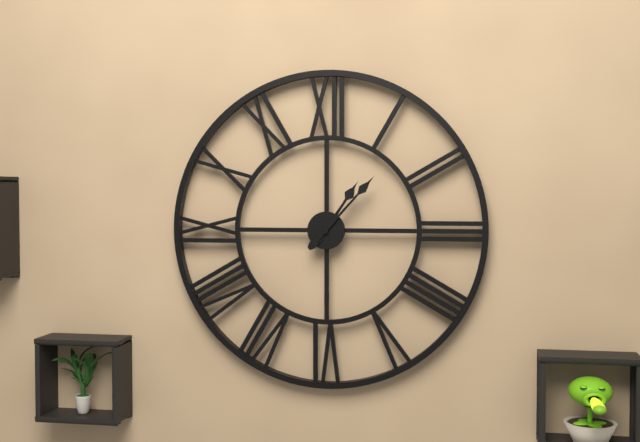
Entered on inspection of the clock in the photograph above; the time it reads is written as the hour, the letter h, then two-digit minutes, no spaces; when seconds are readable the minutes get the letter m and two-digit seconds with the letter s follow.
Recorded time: 1h07
